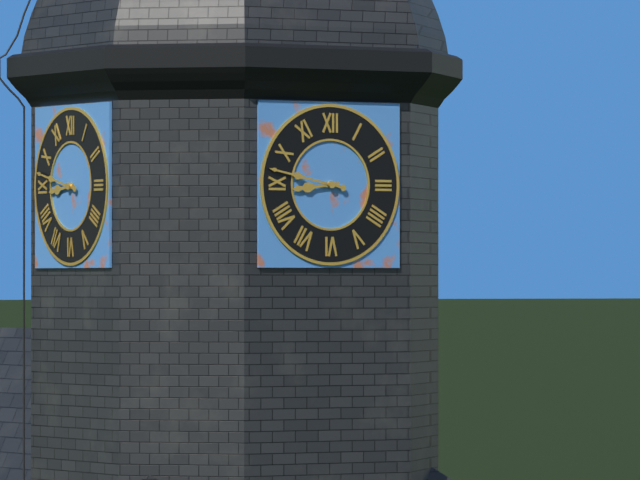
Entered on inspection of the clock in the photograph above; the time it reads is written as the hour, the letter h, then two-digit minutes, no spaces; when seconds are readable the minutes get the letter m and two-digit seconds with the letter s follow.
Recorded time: 8h47
